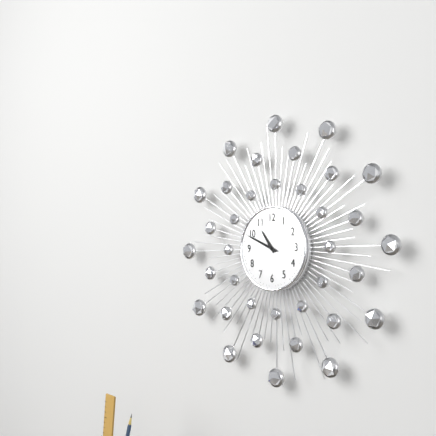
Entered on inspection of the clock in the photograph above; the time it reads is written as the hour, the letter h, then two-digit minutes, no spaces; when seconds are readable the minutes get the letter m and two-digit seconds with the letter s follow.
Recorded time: 10h49
